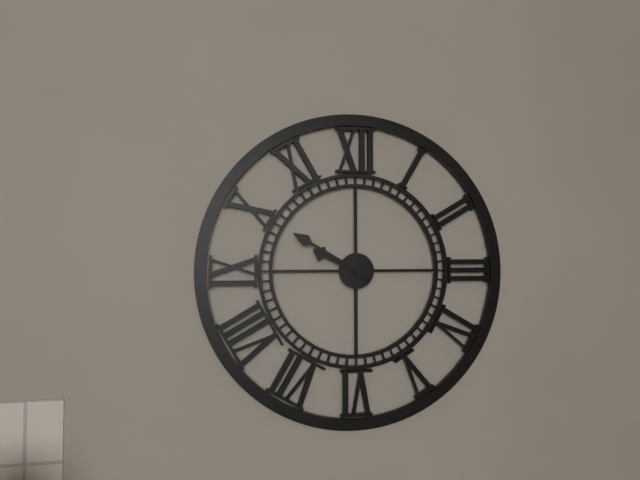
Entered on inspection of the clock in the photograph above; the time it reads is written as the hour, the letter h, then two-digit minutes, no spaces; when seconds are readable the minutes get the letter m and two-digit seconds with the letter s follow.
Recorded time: 9h50
